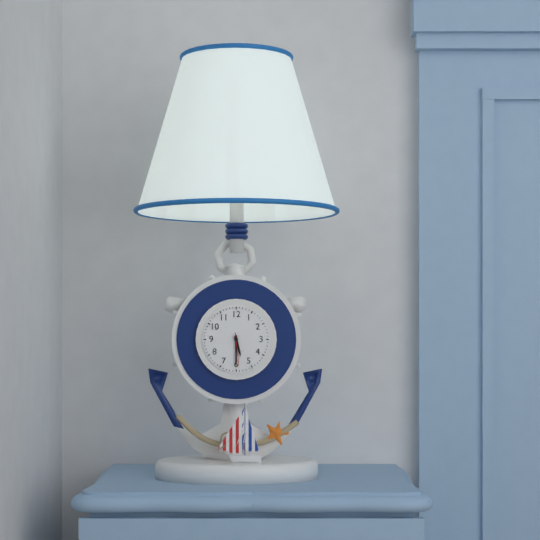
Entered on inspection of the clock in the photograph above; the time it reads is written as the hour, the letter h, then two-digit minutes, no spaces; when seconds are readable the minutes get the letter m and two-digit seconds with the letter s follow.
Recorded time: 5h30
